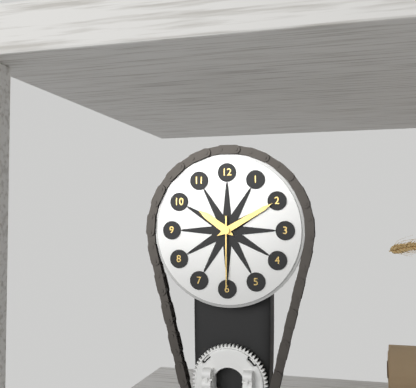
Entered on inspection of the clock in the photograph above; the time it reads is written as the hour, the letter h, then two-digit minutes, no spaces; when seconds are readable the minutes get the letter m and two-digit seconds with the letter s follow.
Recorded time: 10h10m30s
